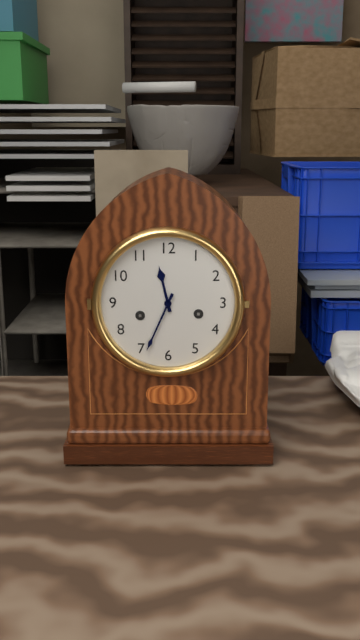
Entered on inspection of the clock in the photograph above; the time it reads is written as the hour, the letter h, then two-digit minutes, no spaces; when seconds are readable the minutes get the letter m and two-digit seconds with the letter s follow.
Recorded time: 11h34
